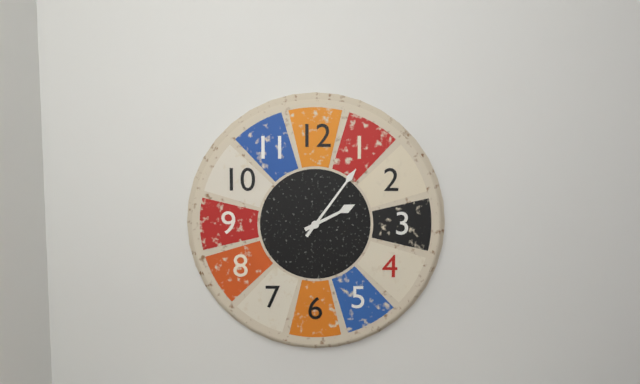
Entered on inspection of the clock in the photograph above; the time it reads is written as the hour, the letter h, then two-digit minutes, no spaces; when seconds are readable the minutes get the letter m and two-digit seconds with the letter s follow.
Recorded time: 2h06
